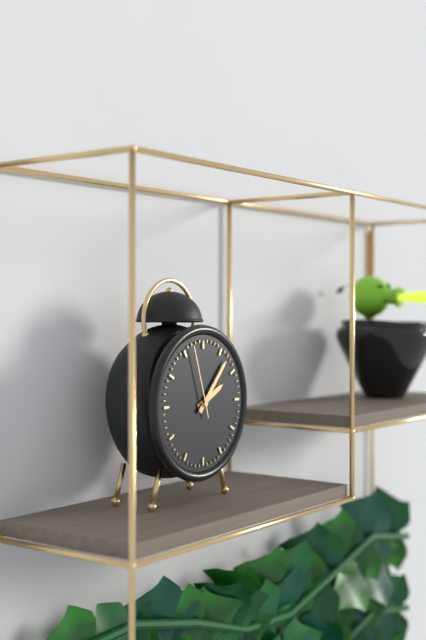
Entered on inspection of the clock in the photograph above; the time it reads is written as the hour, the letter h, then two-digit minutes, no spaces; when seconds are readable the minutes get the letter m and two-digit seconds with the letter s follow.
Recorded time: 2h07m57s
